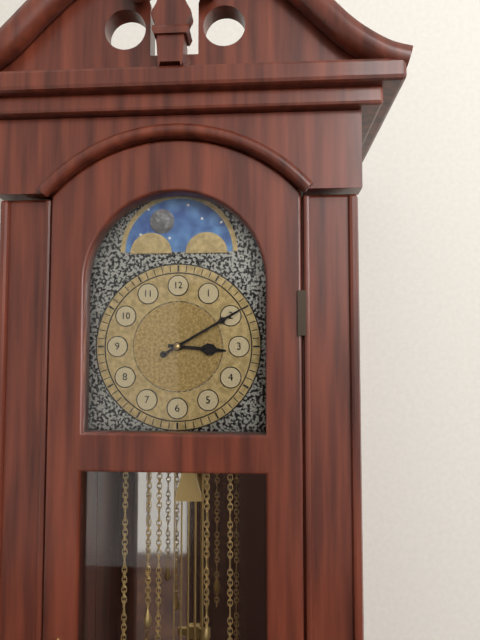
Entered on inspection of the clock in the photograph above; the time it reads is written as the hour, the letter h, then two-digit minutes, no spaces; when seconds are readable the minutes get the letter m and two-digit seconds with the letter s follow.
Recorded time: 3h10
